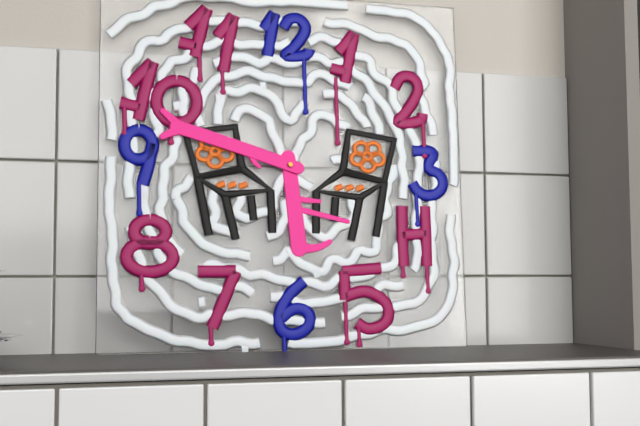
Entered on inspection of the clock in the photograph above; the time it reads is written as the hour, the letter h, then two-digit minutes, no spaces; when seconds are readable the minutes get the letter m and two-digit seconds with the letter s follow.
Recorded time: 5h48
